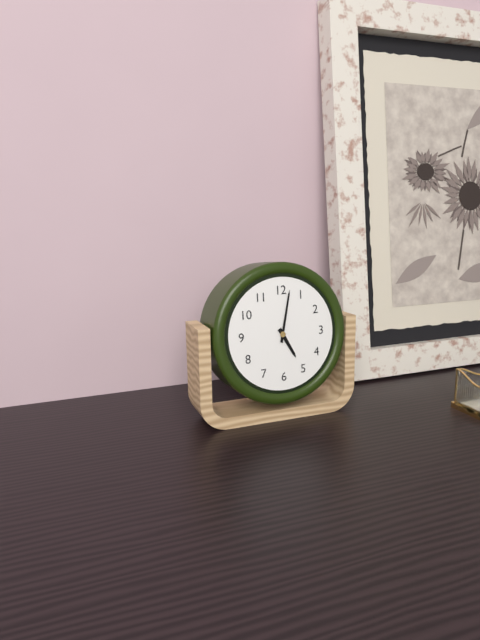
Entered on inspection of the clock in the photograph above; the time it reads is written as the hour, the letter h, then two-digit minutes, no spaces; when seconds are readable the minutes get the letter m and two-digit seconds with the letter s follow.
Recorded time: 5h02
